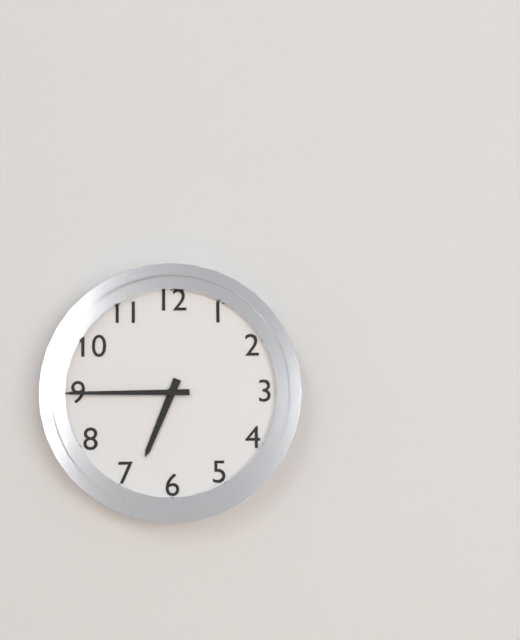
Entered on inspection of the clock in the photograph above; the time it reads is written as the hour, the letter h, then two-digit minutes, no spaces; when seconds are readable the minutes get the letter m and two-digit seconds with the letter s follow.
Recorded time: 6h45
